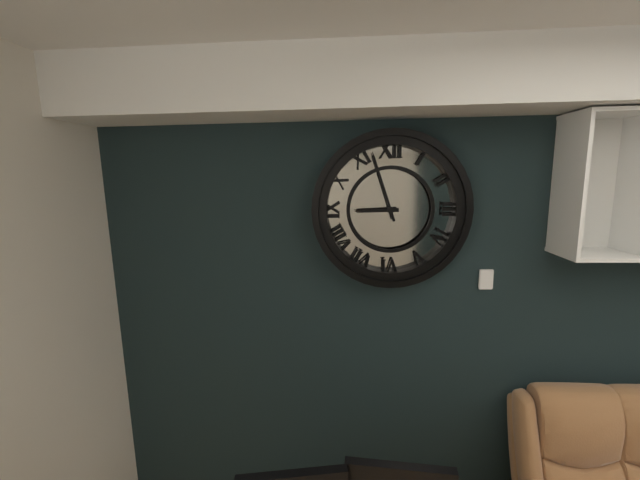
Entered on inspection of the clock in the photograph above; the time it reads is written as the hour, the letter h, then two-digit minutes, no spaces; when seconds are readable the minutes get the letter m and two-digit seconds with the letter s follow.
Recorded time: 8h57
